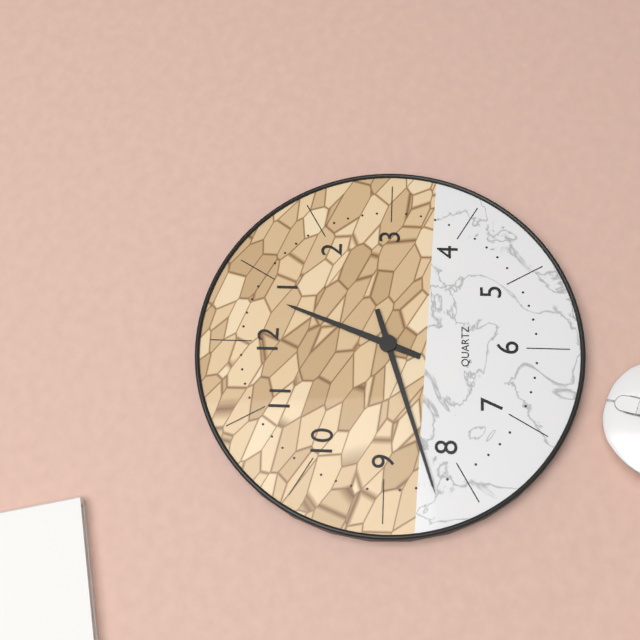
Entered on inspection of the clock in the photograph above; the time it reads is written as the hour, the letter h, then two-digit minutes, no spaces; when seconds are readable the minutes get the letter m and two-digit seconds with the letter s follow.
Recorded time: 12h42
